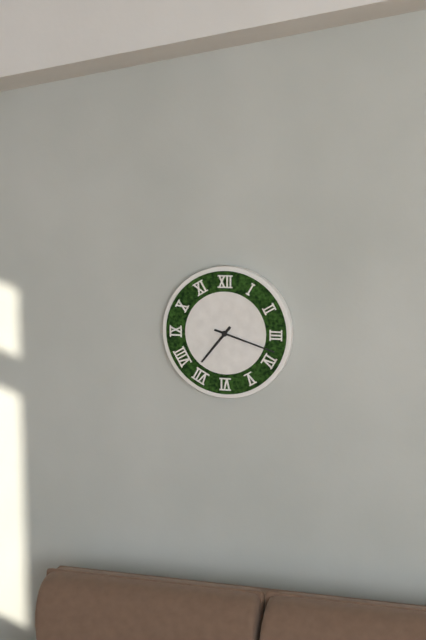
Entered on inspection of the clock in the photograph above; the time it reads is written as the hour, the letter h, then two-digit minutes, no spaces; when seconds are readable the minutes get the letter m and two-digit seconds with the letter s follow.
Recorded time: 7h18
